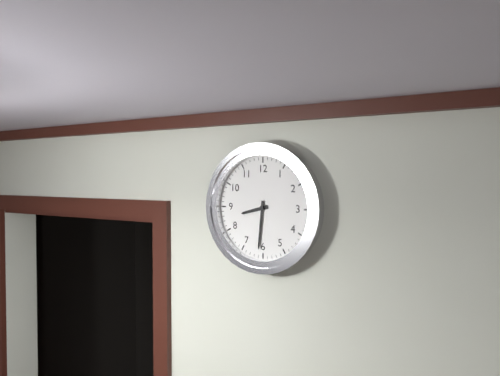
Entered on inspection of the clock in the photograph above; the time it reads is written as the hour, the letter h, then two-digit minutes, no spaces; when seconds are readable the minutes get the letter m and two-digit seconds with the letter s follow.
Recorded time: 8h31
